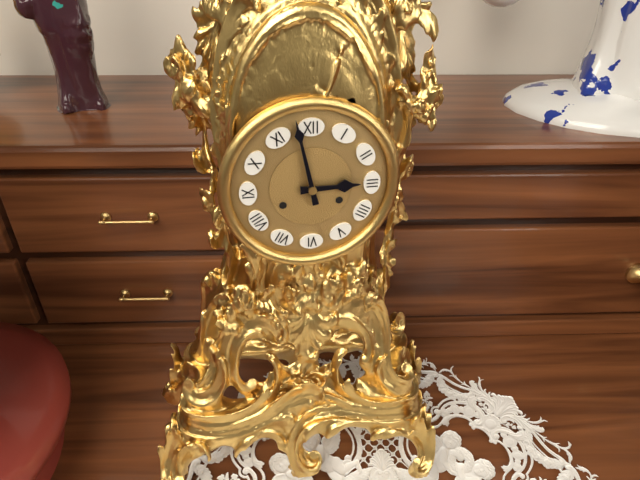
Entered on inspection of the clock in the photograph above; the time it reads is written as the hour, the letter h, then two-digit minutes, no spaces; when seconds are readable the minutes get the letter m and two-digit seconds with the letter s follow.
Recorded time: 2h58
